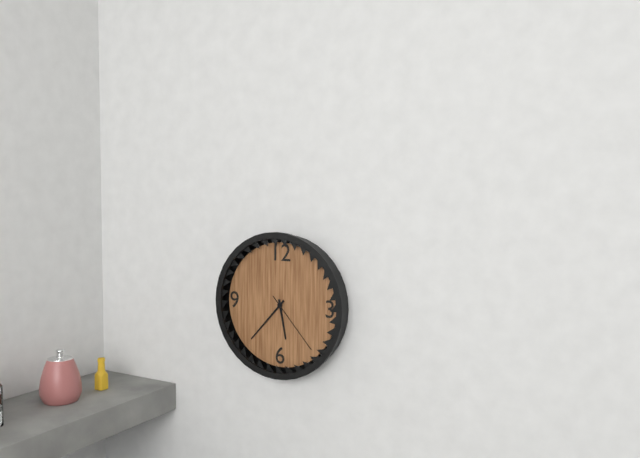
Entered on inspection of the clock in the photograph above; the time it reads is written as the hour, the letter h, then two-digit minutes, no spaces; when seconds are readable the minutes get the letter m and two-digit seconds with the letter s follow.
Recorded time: 5h37m23s
